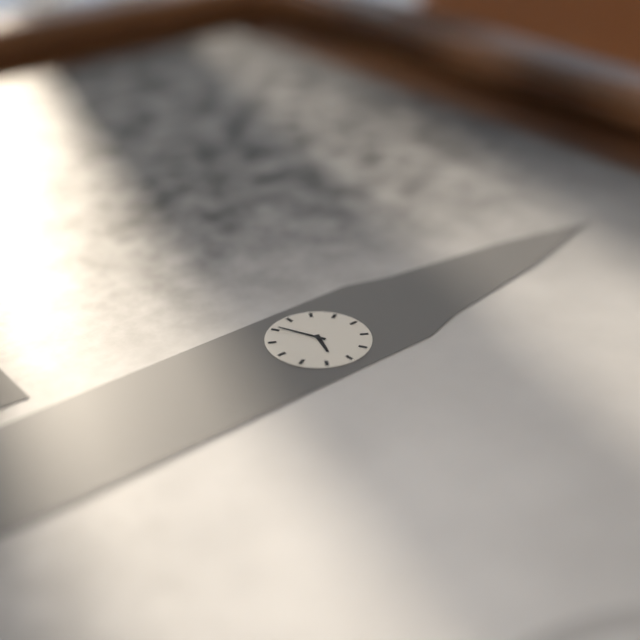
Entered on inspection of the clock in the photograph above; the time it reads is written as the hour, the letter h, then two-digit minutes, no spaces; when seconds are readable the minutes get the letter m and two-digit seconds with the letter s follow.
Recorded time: 3h41
